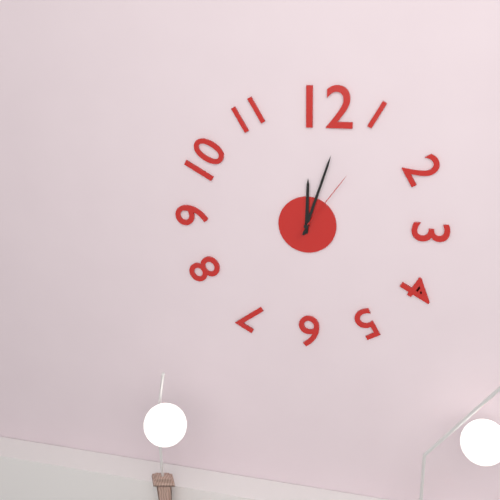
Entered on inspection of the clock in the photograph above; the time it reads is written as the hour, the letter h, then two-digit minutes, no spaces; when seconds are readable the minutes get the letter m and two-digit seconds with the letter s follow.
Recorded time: 12h03m06s
